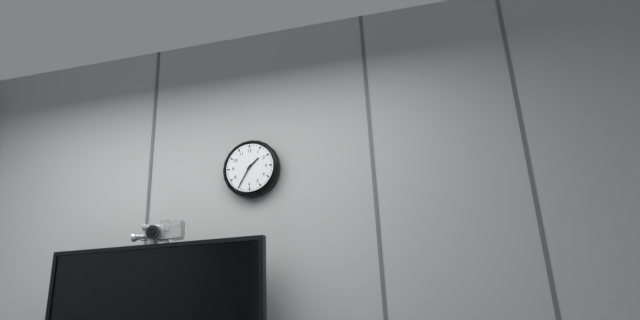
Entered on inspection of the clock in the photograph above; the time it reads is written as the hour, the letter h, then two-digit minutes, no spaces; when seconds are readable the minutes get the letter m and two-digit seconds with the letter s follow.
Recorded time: 1h35
